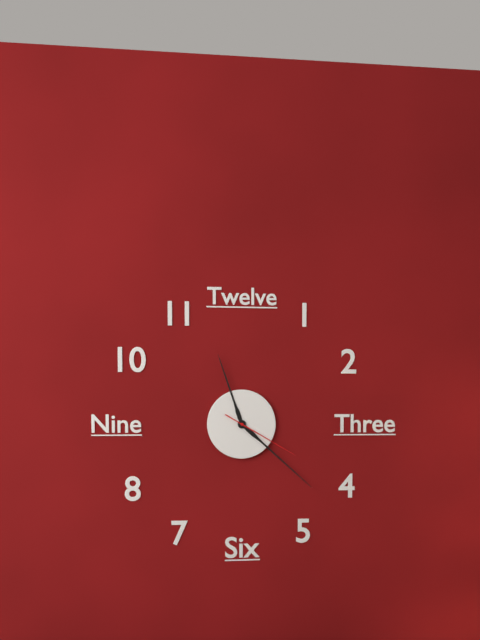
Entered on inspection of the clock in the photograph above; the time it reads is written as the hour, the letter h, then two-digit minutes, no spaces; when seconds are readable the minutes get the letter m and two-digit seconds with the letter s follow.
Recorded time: 11h22m20s
